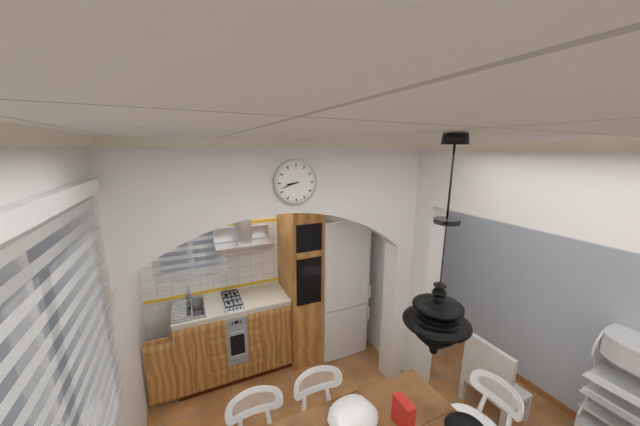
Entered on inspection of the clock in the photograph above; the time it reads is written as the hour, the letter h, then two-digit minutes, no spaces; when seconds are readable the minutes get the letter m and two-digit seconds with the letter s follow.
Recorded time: 8h42
